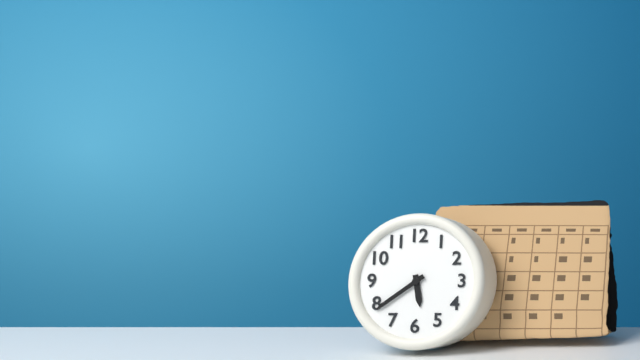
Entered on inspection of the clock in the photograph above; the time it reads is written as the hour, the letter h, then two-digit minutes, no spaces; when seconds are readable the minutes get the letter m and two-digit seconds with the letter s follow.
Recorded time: 5h39
